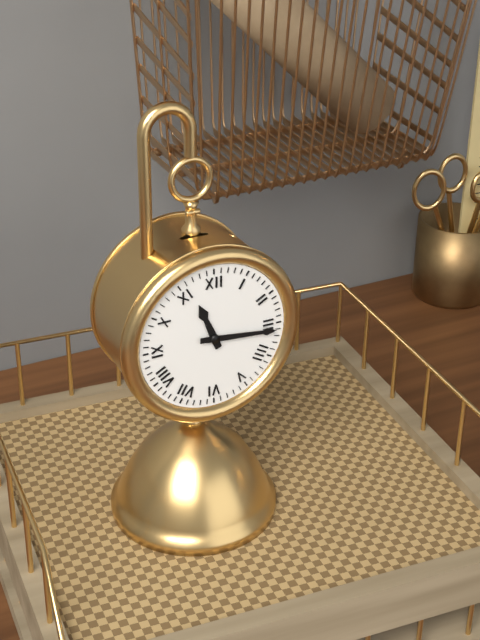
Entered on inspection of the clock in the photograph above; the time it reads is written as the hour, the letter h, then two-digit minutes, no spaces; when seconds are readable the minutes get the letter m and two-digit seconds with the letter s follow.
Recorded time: 11h16
